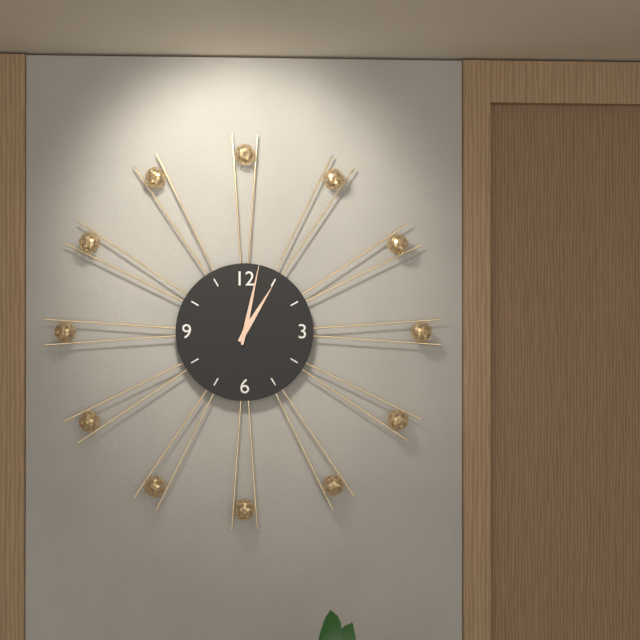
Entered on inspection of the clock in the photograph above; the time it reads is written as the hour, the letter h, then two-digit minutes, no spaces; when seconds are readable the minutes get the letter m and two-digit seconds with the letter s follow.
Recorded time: 1h02
